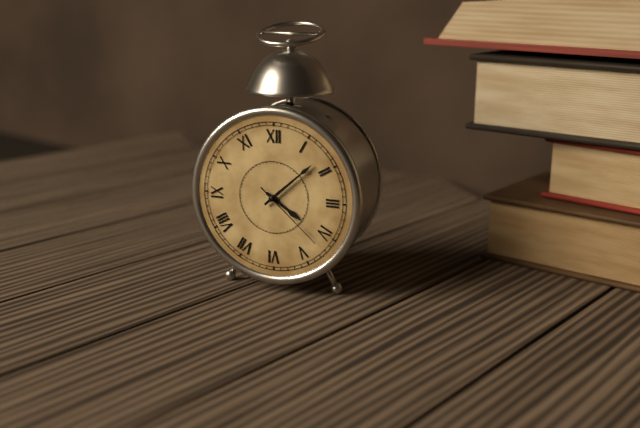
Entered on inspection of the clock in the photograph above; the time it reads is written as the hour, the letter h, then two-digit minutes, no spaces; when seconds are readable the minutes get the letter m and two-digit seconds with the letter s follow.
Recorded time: 4h08m22s
